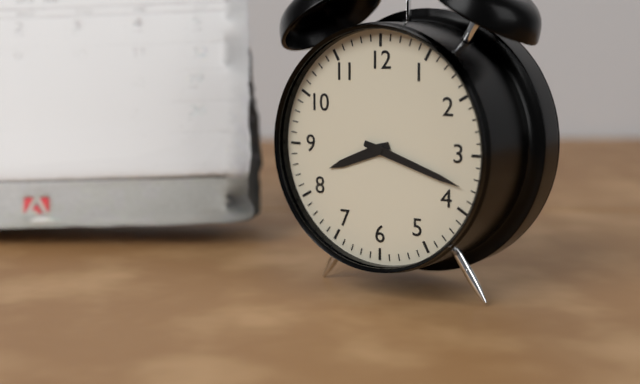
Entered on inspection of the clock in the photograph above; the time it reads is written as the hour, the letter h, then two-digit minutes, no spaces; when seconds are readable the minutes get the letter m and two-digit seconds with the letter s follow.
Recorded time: 8h18
